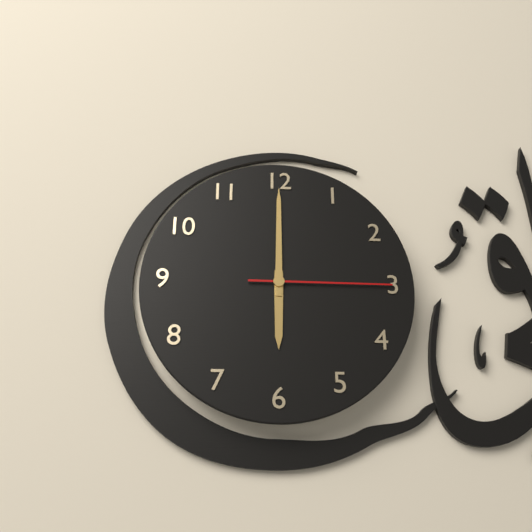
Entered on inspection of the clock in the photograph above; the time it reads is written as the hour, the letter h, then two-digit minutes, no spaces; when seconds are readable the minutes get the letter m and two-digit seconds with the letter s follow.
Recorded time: 6h00m15s
